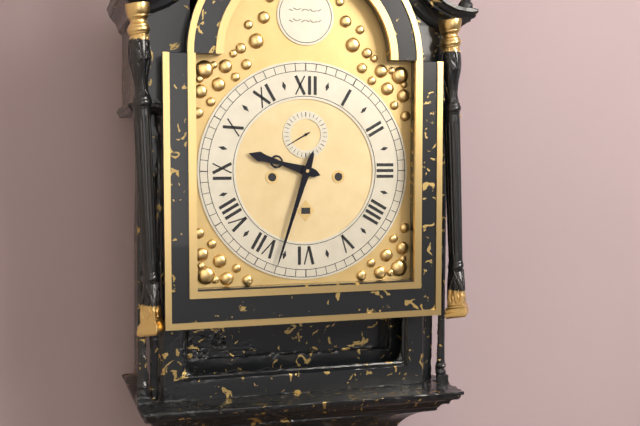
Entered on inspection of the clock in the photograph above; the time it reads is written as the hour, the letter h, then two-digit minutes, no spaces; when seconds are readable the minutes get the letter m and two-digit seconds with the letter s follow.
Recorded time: 9h33
